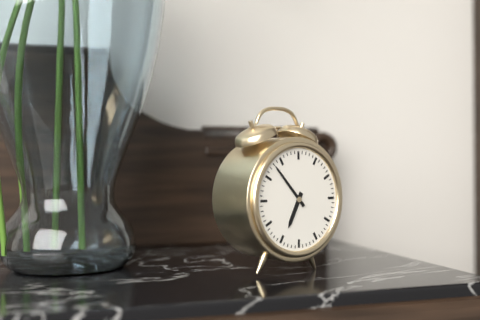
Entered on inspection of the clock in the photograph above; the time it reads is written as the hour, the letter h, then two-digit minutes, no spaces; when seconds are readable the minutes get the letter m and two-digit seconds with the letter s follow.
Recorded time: 6h53
